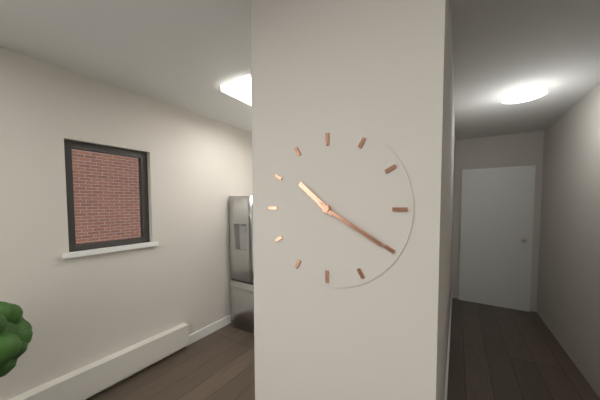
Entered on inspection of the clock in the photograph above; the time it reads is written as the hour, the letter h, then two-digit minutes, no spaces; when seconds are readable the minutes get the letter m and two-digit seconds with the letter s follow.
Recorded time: 10h20
